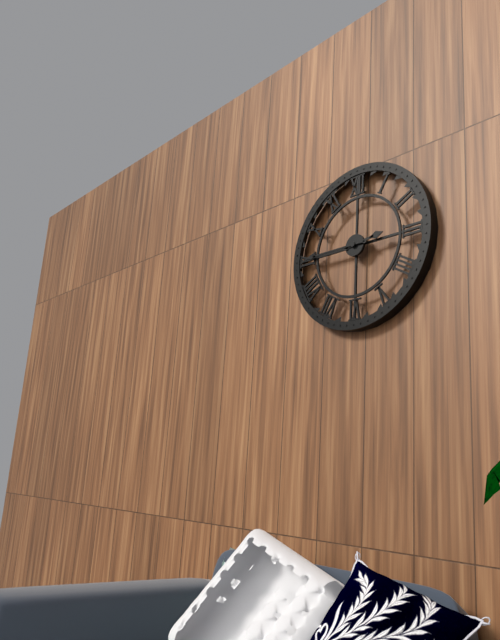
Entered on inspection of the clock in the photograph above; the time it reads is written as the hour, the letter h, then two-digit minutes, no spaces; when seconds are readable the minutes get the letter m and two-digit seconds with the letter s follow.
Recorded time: 2h45
